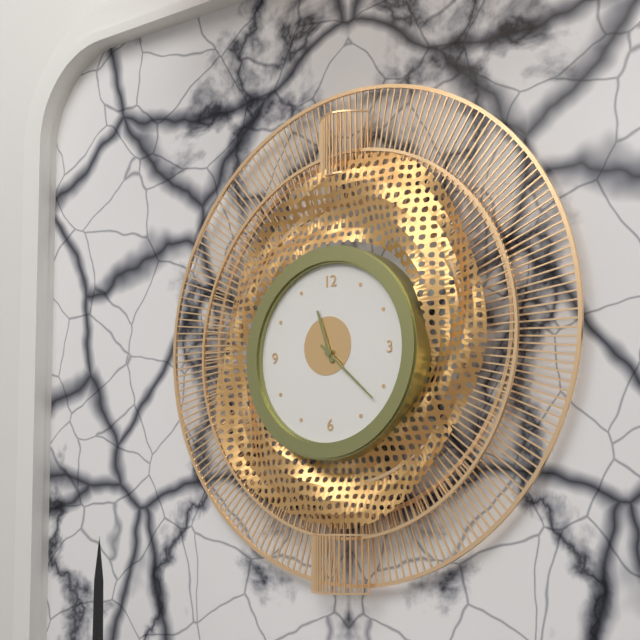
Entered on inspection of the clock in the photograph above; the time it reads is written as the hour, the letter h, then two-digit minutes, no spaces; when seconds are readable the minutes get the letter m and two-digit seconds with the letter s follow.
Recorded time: 11h22
